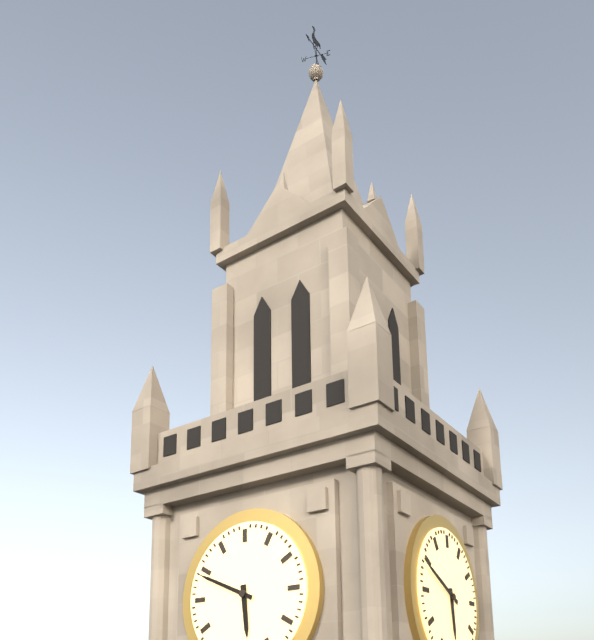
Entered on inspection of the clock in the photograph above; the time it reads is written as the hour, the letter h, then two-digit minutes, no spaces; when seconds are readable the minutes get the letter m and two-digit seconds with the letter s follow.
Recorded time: 5h49
